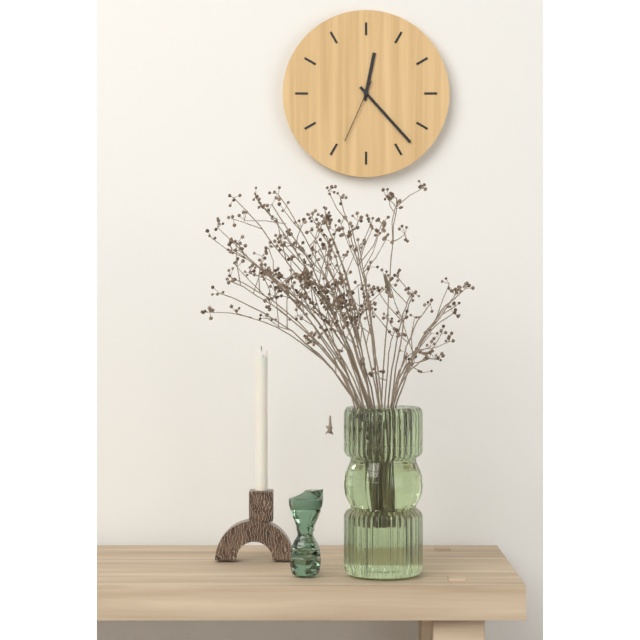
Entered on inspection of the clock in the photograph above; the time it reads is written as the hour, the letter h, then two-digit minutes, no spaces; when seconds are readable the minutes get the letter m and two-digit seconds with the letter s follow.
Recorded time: 12h23m34s
